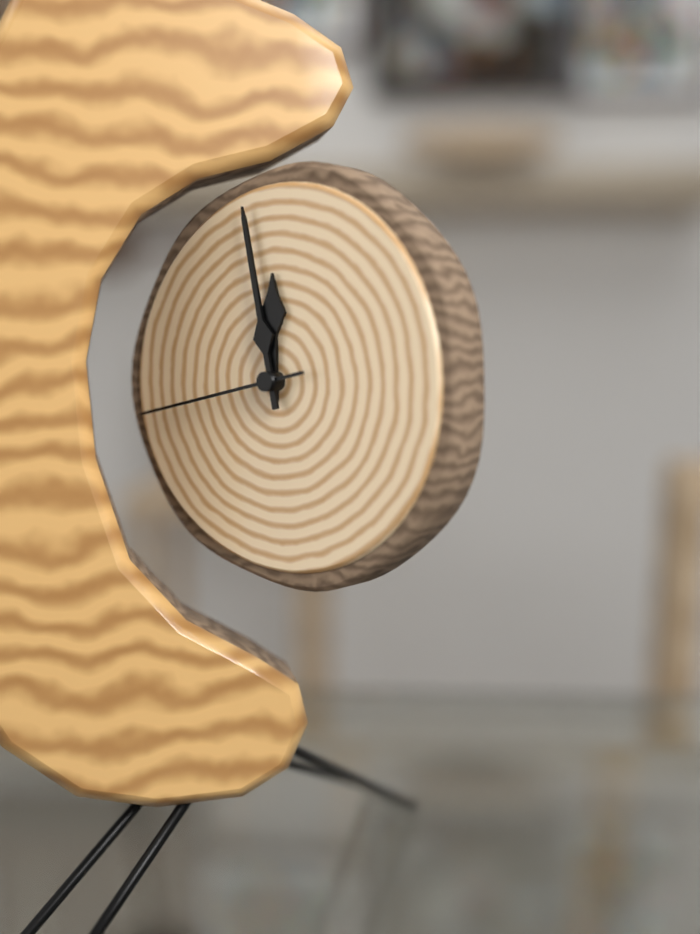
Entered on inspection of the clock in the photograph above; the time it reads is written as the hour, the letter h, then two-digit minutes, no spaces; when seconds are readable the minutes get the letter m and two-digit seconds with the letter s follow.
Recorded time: 11h58m43s
